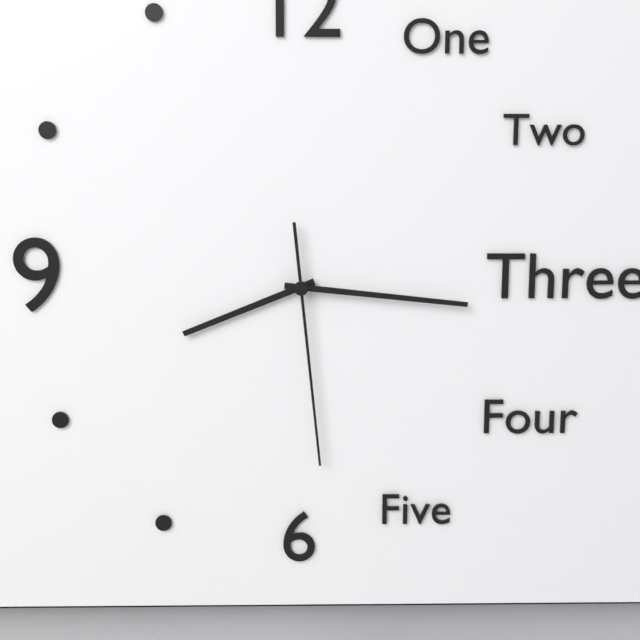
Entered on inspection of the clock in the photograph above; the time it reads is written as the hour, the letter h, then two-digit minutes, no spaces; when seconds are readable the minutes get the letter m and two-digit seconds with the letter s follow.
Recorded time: 8h16m29s
